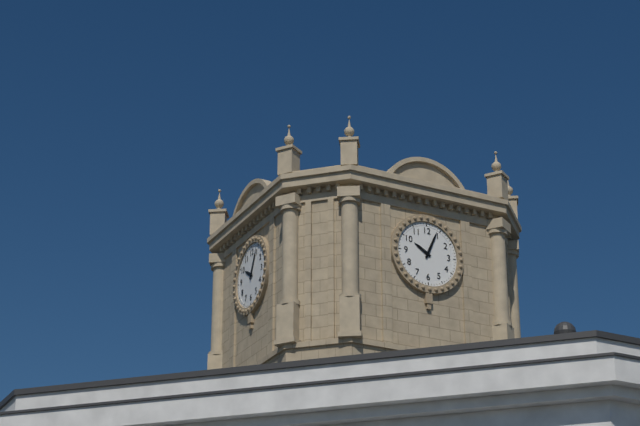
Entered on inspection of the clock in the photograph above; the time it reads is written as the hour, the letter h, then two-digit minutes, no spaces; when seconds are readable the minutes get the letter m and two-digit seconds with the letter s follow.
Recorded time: 10h04
